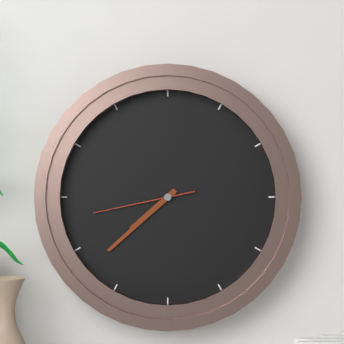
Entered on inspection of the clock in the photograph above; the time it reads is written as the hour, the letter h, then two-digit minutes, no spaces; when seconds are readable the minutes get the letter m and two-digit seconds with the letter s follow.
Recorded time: 7h38m43s
